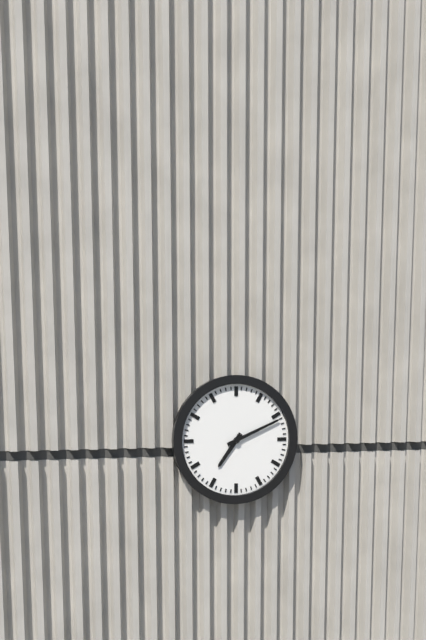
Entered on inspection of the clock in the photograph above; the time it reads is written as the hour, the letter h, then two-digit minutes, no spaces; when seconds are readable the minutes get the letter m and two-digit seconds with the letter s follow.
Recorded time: 7h11
